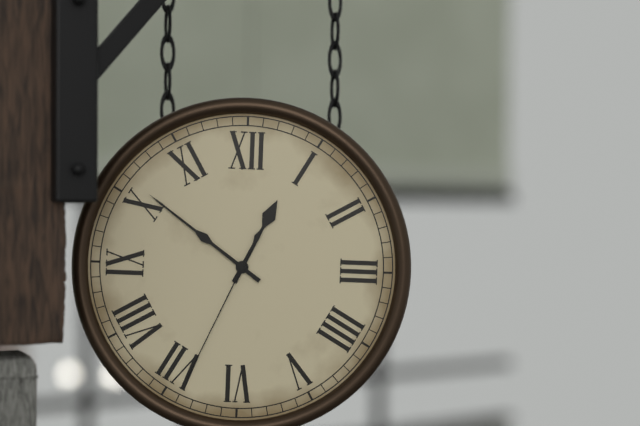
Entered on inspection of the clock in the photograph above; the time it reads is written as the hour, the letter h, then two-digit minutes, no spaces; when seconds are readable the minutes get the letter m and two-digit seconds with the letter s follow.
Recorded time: 12h51m34s
